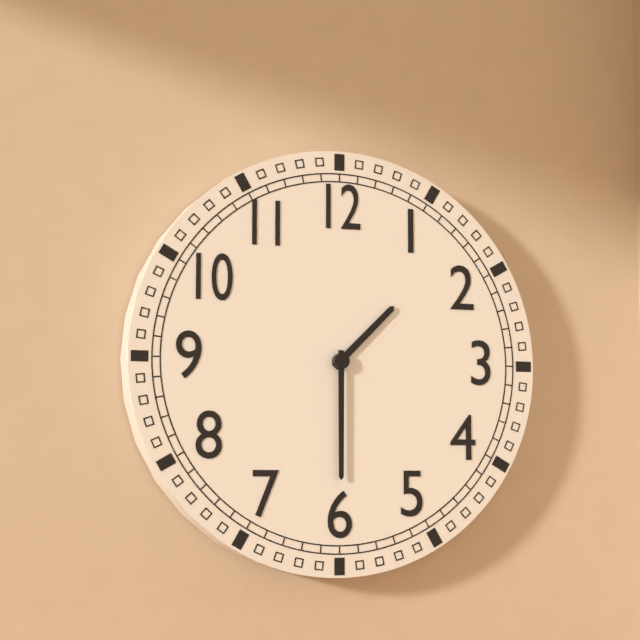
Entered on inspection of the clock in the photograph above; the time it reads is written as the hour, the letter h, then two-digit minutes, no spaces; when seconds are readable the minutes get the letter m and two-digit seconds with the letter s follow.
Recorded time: 1h30
